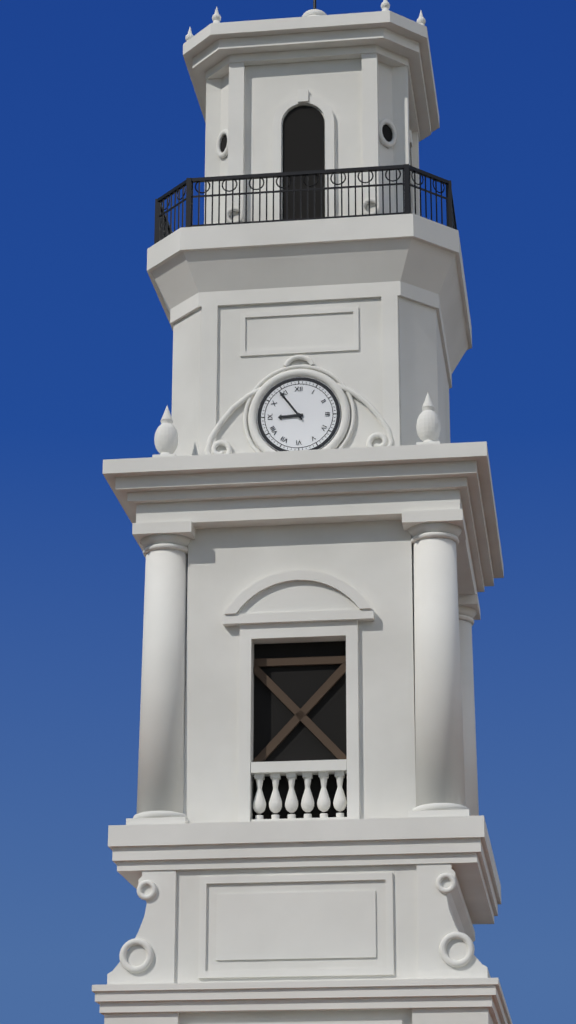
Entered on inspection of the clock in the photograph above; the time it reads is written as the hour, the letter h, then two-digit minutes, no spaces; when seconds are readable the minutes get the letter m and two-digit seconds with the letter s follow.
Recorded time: 8h54
